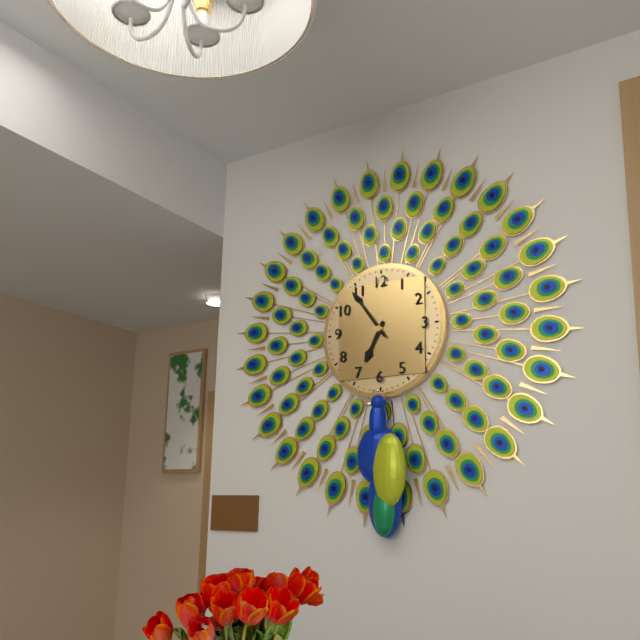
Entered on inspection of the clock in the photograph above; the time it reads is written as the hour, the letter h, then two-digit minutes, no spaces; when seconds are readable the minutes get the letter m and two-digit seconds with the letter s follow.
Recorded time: 6h54
